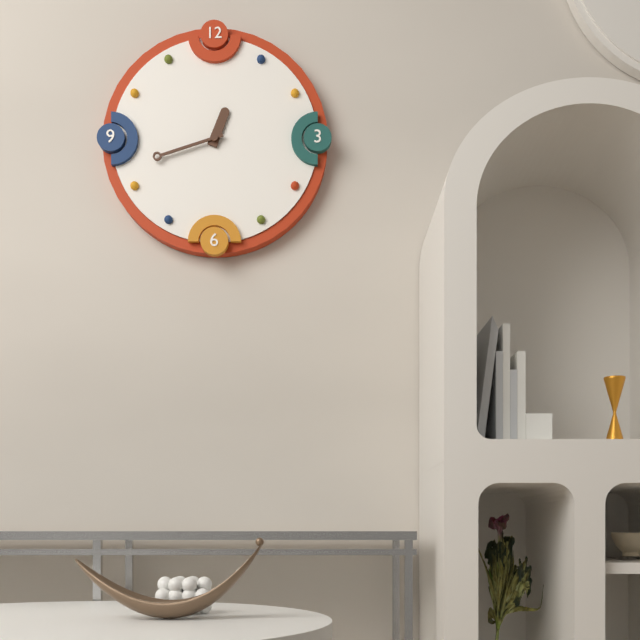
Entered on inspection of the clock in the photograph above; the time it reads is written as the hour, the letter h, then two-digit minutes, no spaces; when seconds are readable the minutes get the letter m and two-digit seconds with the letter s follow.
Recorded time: 12h42
